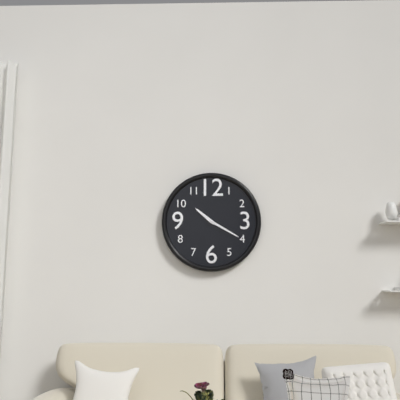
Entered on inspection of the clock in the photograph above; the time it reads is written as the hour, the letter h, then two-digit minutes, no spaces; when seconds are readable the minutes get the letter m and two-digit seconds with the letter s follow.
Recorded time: 10h20
